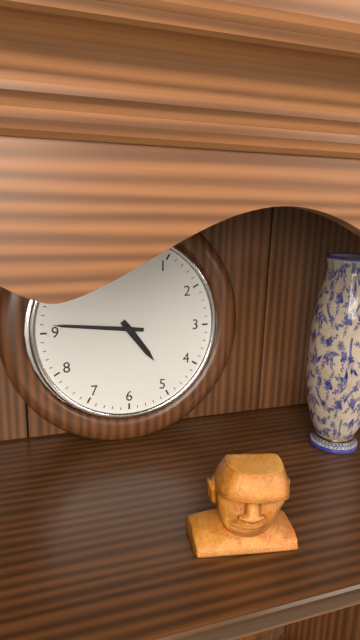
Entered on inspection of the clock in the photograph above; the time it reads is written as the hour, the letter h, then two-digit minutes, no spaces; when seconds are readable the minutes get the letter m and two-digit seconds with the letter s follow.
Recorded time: 4h46
